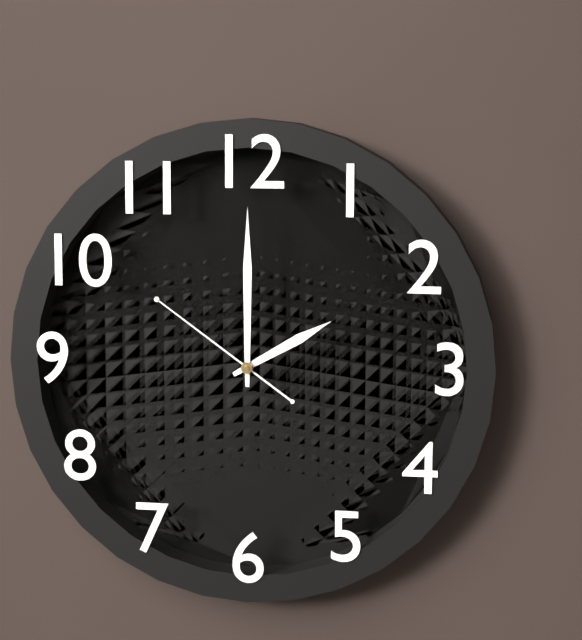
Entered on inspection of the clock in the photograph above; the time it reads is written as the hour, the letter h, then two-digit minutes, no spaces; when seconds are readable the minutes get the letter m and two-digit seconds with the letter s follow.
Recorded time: 2h00m51s
